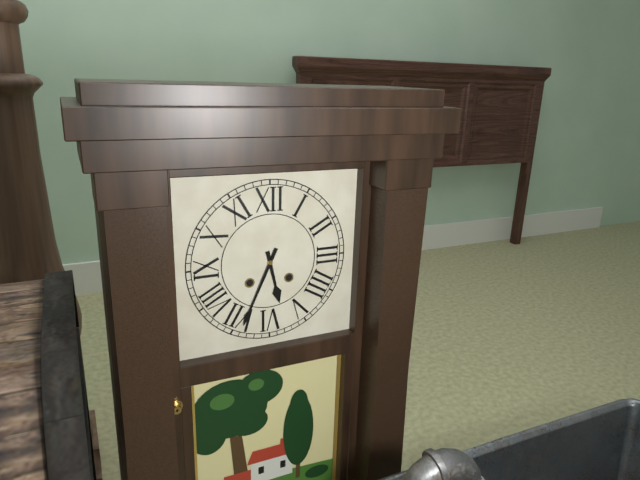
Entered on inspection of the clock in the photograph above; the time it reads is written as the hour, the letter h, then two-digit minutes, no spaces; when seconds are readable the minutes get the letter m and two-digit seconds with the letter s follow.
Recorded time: 5h34
